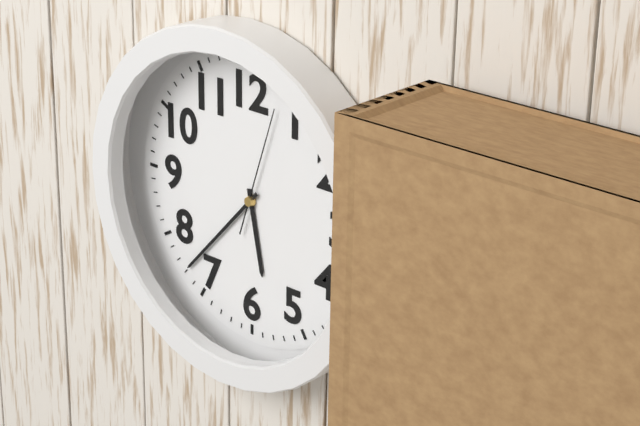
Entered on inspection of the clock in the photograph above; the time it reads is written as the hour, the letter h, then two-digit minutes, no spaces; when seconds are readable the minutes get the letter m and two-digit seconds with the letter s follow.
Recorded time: 5h37m03s
